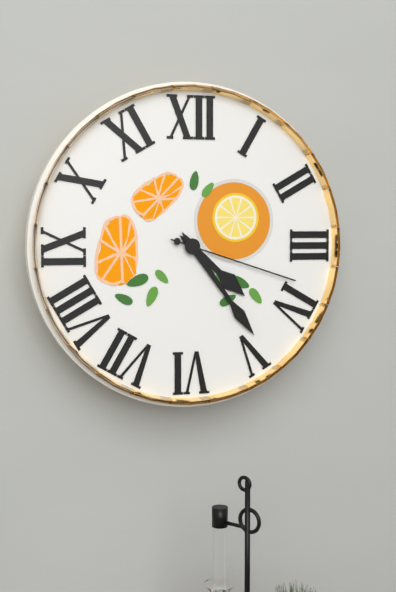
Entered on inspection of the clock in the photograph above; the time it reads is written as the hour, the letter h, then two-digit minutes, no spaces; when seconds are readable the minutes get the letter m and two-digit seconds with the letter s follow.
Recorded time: 4h24m18s
